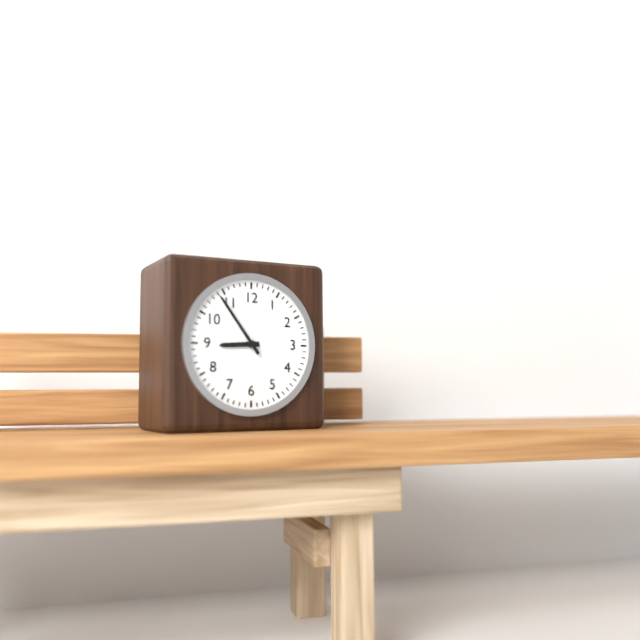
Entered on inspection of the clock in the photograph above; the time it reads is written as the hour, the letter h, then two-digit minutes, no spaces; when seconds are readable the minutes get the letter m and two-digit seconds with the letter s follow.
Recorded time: 8h54
